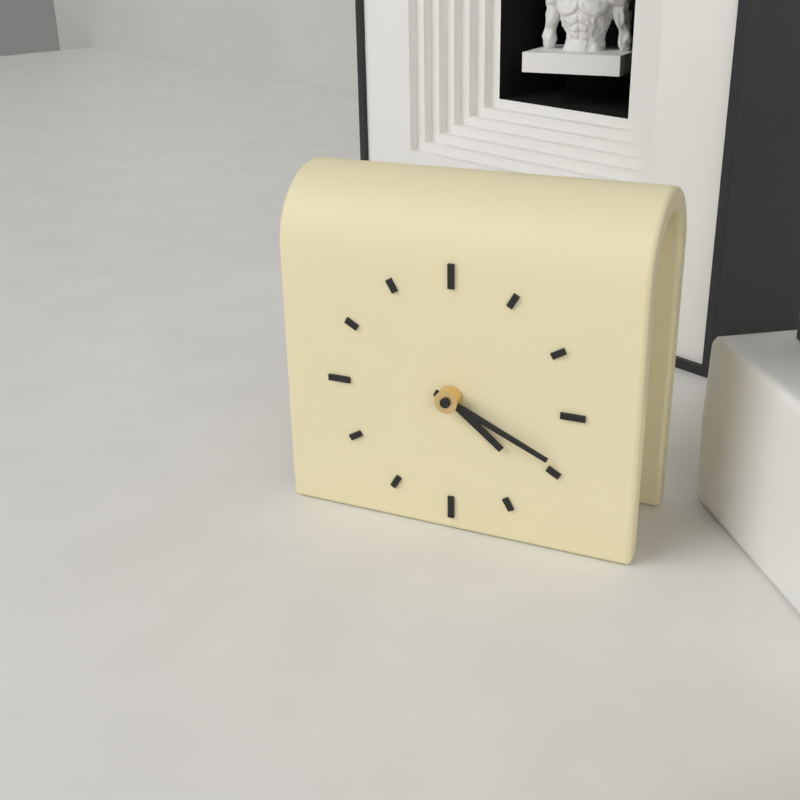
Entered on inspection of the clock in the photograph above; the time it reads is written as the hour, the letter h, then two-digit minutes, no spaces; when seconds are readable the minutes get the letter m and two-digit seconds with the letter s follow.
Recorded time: 4h19
